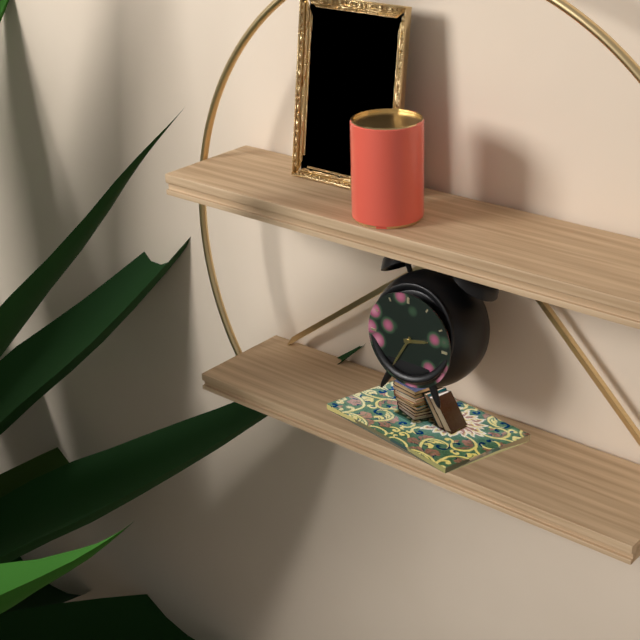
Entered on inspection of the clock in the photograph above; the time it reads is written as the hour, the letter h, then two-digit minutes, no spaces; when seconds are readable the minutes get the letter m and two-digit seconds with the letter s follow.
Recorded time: 2h35
